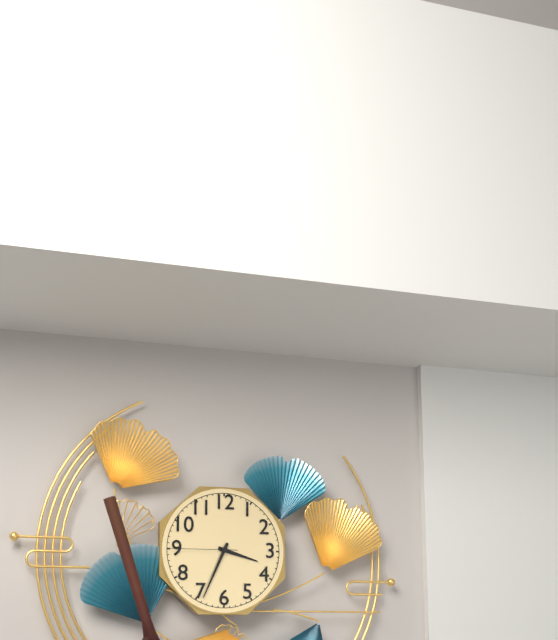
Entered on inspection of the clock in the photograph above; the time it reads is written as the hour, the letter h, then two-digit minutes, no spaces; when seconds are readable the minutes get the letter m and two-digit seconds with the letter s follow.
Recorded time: 3h34m45s
